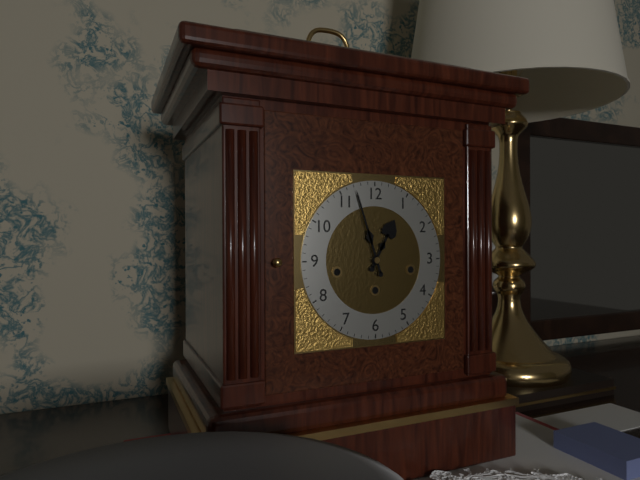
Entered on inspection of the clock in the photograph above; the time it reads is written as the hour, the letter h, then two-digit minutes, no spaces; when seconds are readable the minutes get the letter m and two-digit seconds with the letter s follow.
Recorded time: 12h57
